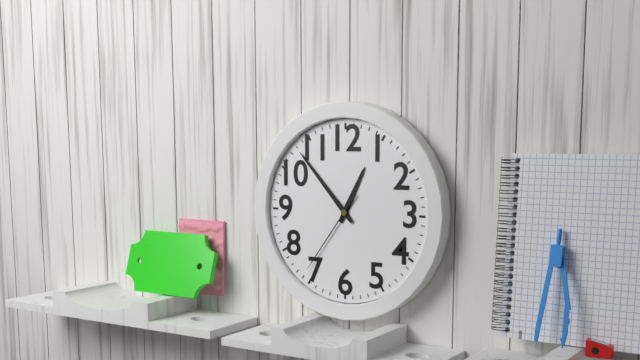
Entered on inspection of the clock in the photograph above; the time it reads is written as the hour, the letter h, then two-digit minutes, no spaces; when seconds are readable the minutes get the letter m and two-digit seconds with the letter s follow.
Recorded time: 12h53m36s
